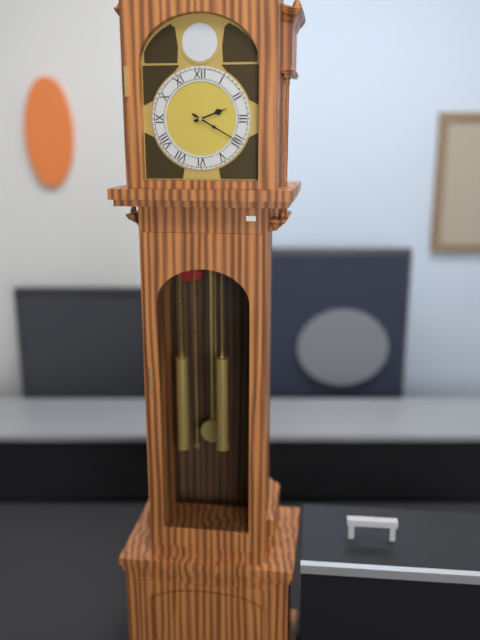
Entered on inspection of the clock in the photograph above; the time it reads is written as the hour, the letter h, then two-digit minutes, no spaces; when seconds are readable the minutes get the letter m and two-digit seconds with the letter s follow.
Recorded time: 2h20
